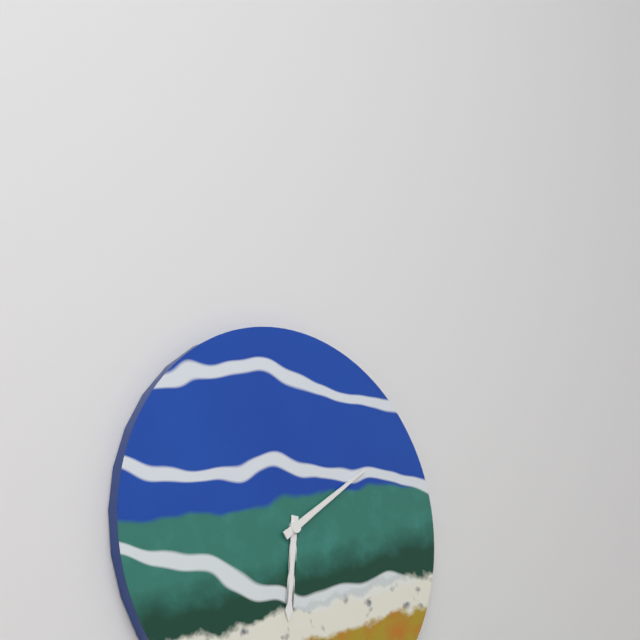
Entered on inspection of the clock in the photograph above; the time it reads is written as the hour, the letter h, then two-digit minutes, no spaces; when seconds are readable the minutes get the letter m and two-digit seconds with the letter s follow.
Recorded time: 6h09
